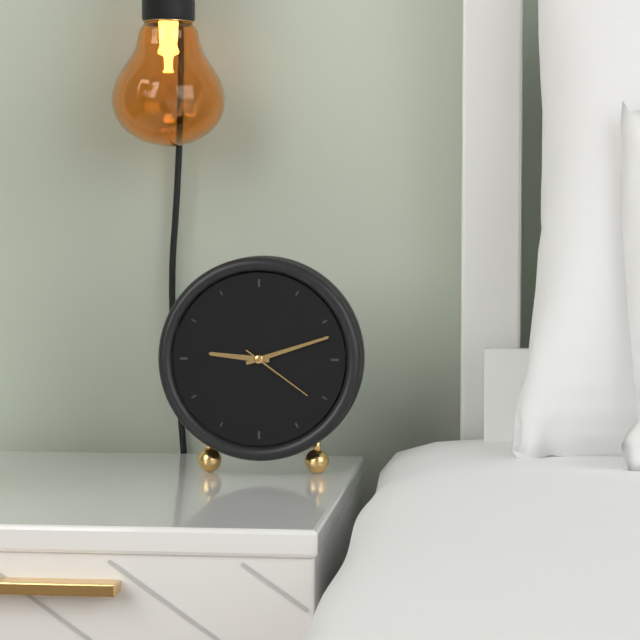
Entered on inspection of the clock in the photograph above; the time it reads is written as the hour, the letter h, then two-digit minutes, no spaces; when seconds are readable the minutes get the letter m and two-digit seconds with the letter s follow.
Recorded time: 9h12m21s
